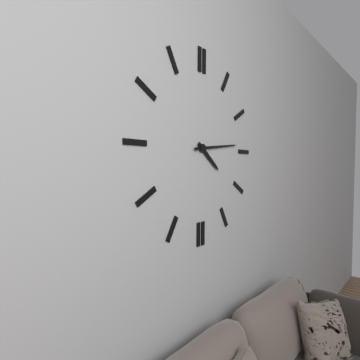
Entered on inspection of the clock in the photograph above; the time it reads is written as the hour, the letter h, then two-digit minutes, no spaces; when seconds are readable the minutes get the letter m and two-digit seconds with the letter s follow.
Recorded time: 4h14
